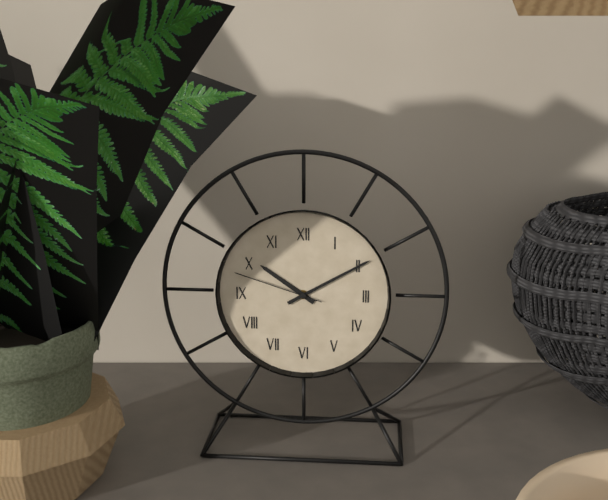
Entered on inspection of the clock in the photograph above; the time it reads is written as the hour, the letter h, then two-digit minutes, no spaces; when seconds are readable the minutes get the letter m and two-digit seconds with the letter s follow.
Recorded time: 10h10m48s
